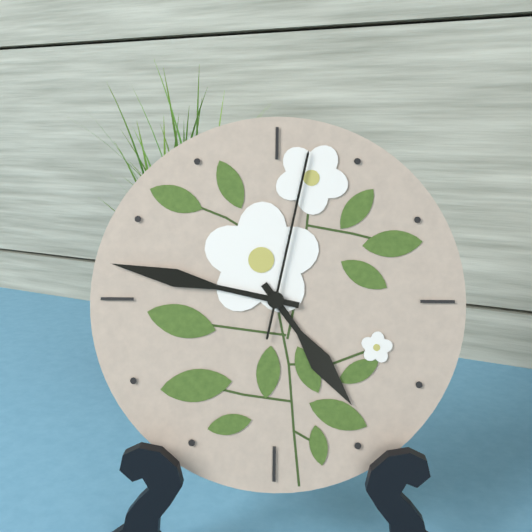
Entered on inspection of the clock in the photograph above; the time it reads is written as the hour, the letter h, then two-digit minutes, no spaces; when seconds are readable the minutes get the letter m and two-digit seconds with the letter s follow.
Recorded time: 4h47m02s
